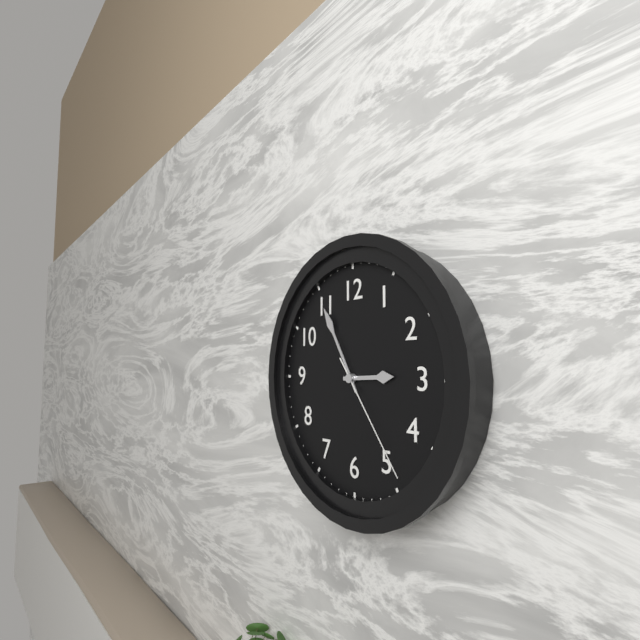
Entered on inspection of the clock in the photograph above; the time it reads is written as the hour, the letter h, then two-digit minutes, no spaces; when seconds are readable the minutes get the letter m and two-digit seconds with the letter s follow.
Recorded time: 2h55m24s
